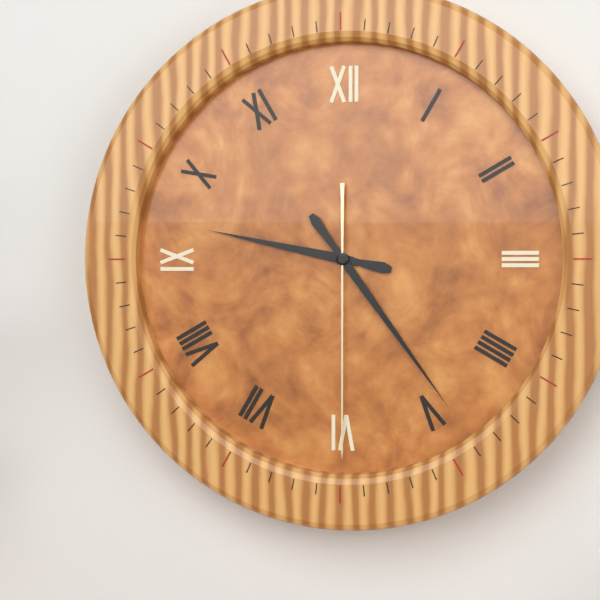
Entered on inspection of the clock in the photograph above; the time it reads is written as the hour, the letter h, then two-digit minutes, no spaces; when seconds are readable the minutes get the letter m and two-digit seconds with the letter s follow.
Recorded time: 9h24m30s
